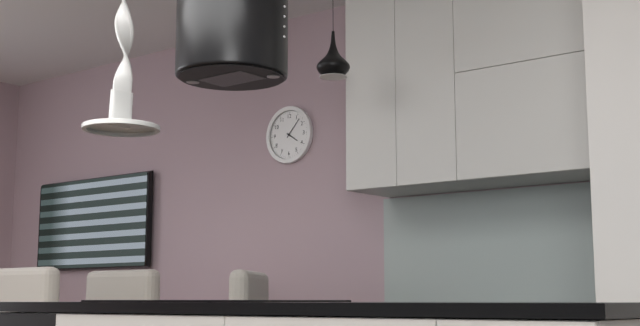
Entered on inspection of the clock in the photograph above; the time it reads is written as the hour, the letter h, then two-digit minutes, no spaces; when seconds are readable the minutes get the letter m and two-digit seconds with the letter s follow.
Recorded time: 4h07
